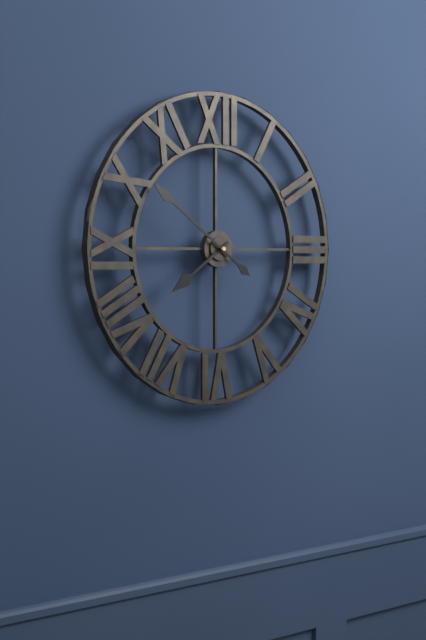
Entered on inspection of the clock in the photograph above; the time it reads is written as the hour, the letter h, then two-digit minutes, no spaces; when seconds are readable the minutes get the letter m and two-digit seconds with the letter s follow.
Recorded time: 7h51
